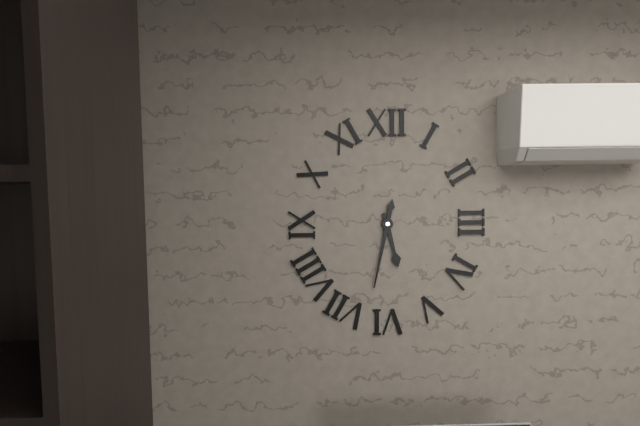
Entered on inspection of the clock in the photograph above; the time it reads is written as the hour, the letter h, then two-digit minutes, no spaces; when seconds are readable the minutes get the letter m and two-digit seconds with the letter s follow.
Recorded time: 5h32
